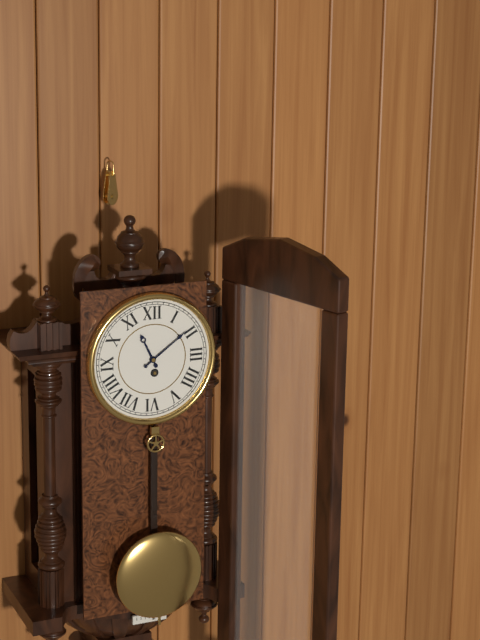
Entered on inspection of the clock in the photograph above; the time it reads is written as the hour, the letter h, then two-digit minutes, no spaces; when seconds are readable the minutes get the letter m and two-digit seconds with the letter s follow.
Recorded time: 11h09
